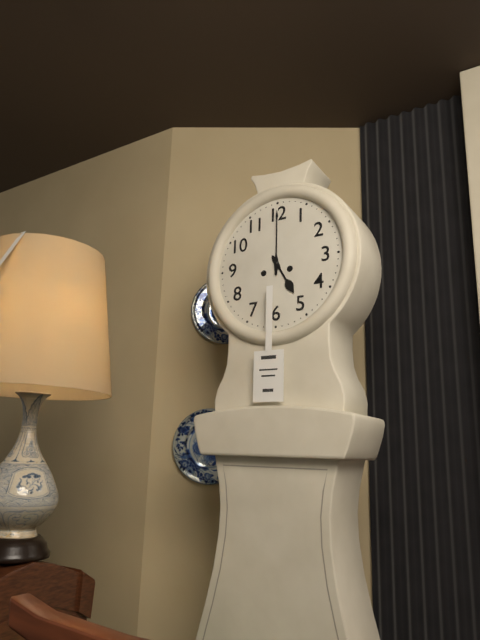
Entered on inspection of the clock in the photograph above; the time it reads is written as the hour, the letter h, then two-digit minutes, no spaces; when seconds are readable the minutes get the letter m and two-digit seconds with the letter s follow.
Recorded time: 5h00
